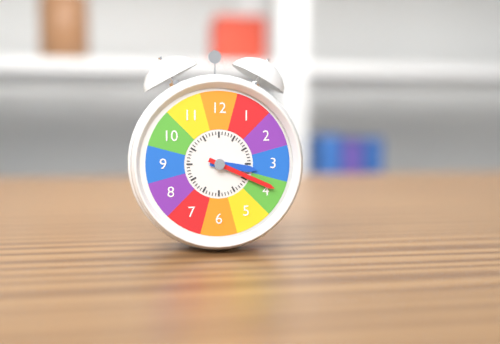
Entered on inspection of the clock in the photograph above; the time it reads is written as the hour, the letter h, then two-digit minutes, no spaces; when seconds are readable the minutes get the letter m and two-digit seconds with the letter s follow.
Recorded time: 3h19
